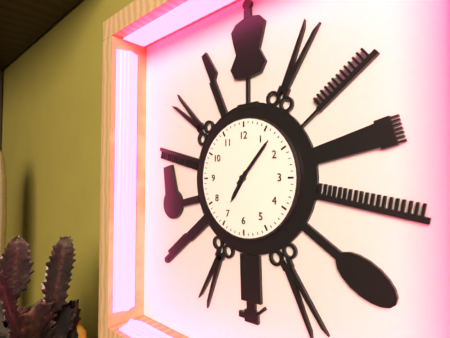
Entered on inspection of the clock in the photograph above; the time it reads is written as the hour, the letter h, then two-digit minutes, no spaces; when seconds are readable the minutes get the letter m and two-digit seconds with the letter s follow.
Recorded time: 7h07
